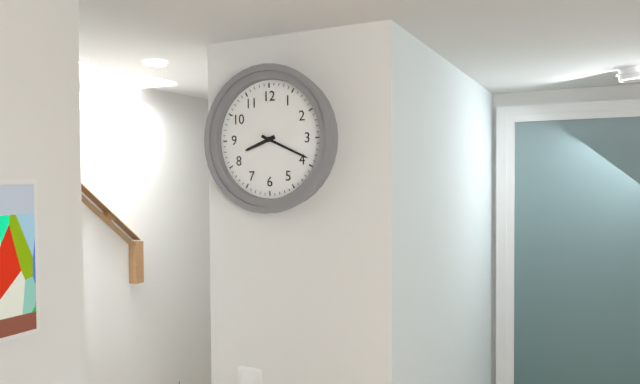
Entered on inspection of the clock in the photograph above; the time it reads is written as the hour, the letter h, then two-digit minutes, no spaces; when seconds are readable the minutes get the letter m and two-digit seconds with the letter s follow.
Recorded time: 8h19
